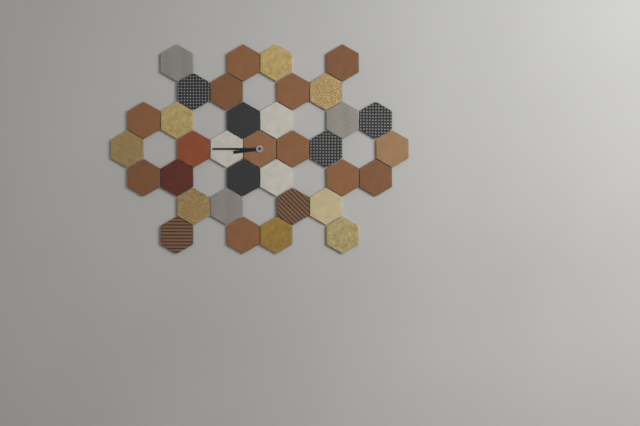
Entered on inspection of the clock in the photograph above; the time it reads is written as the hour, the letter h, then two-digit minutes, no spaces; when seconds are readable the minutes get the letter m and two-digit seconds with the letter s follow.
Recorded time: 8h45
